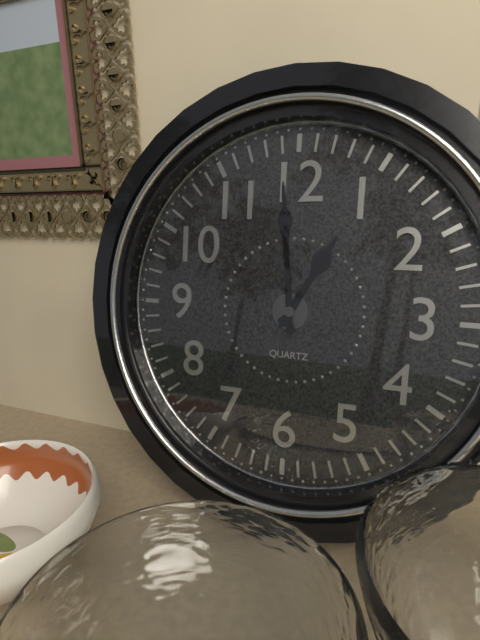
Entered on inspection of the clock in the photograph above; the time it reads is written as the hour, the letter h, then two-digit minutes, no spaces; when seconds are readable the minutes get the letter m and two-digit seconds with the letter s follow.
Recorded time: 12h59
